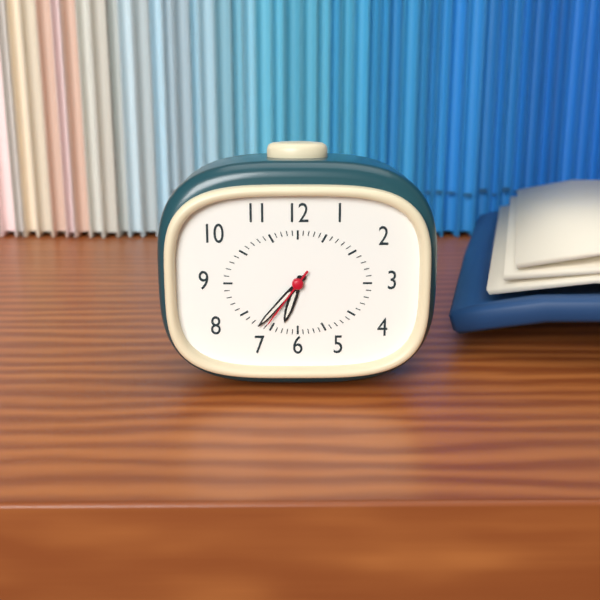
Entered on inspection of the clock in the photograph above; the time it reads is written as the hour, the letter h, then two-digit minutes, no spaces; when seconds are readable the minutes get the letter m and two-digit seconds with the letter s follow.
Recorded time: 6h37m36s
